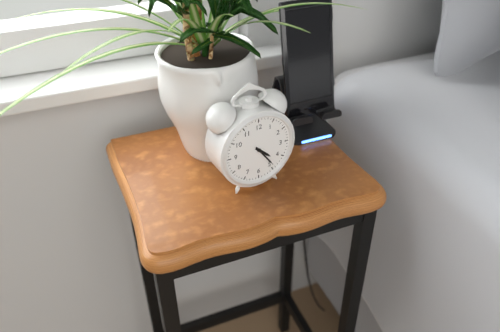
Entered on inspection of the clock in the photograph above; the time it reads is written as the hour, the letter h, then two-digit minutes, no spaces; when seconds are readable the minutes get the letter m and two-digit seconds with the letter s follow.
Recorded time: 4h24
